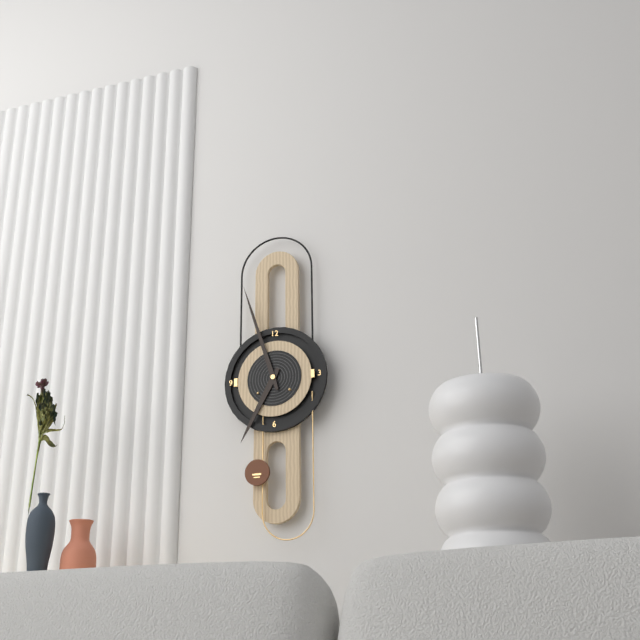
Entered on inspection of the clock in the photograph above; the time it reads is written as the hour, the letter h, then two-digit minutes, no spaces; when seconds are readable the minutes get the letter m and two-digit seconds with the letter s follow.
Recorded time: 6h57
